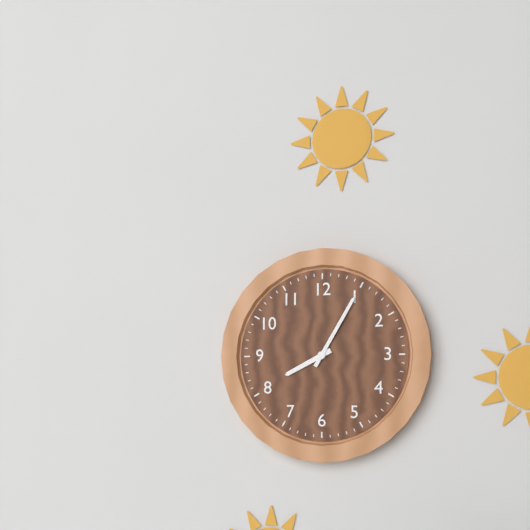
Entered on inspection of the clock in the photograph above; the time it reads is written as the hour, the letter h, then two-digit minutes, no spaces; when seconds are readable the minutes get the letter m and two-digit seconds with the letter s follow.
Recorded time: 8h05
